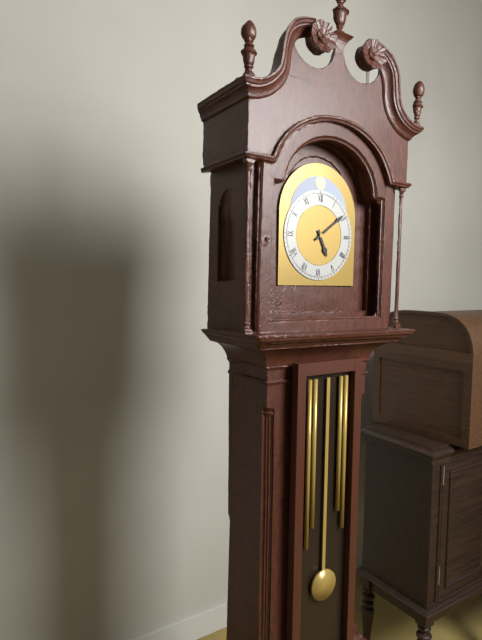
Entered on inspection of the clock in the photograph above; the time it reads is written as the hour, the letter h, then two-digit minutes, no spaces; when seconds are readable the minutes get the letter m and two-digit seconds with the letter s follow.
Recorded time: 5h09
